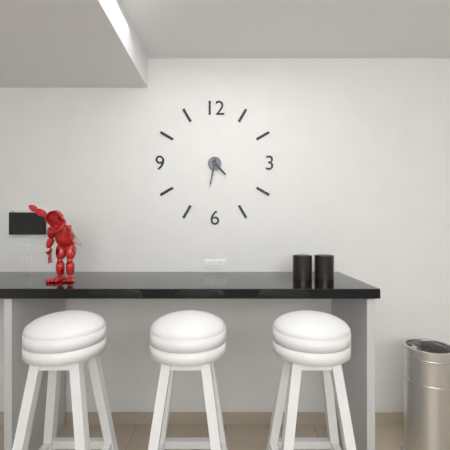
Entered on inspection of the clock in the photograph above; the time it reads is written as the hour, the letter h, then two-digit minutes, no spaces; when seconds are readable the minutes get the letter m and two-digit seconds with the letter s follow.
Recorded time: 4h32
